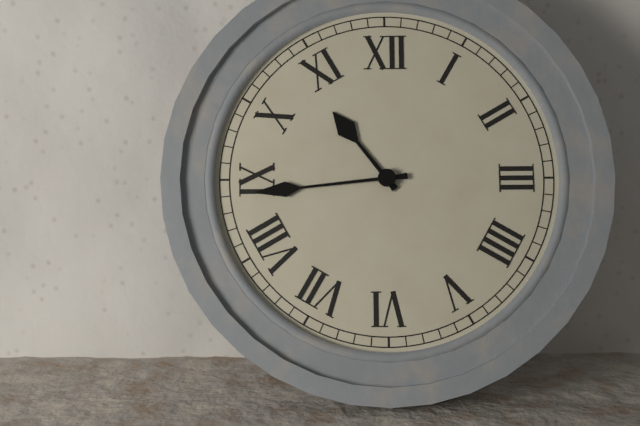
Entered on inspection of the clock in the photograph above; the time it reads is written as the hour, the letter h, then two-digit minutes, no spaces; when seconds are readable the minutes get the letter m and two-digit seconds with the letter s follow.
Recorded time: 10h44
